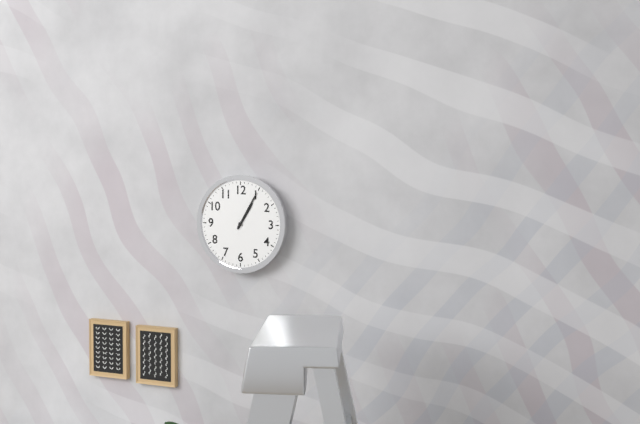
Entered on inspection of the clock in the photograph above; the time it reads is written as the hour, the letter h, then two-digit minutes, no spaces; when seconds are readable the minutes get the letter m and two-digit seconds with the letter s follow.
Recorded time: 1h05
